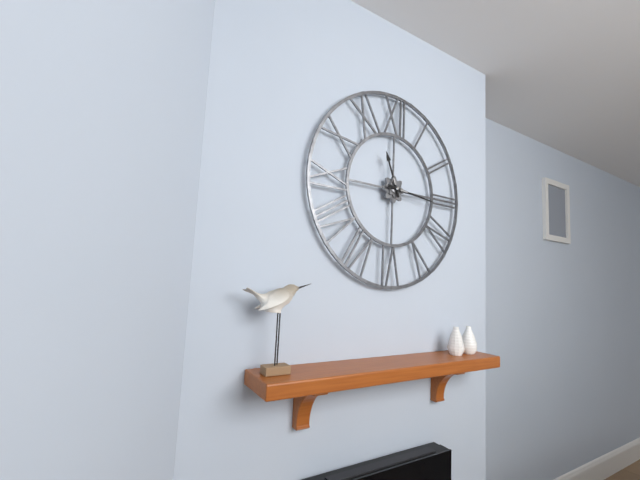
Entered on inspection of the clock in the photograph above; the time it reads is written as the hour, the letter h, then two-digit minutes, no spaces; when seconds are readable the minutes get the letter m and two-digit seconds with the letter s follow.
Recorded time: 11h16
